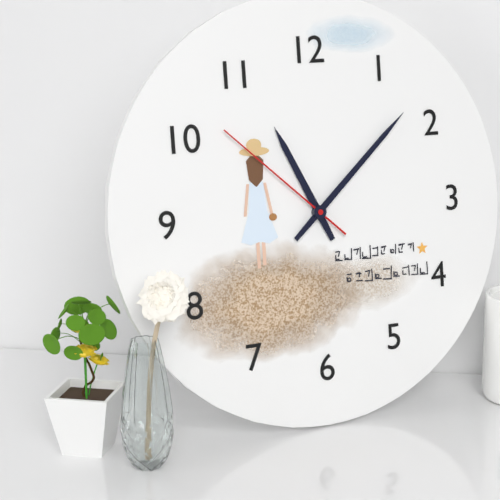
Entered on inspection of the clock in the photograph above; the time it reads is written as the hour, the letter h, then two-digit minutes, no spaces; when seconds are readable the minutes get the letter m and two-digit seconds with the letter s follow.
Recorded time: 11h08m52s
